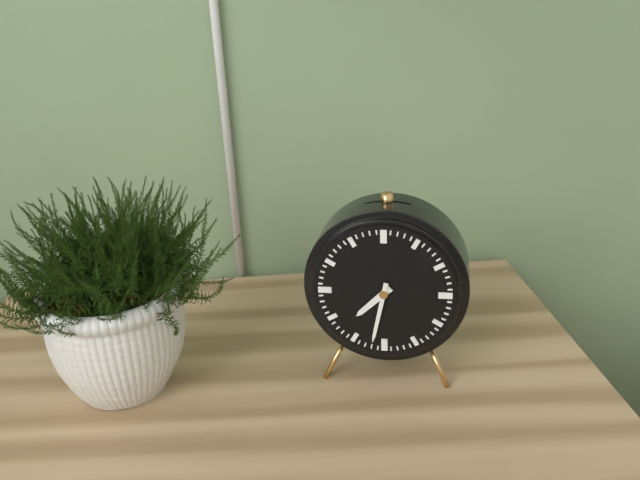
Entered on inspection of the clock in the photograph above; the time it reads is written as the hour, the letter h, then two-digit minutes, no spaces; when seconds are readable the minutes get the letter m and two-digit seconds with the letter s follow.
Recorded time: 7h32
